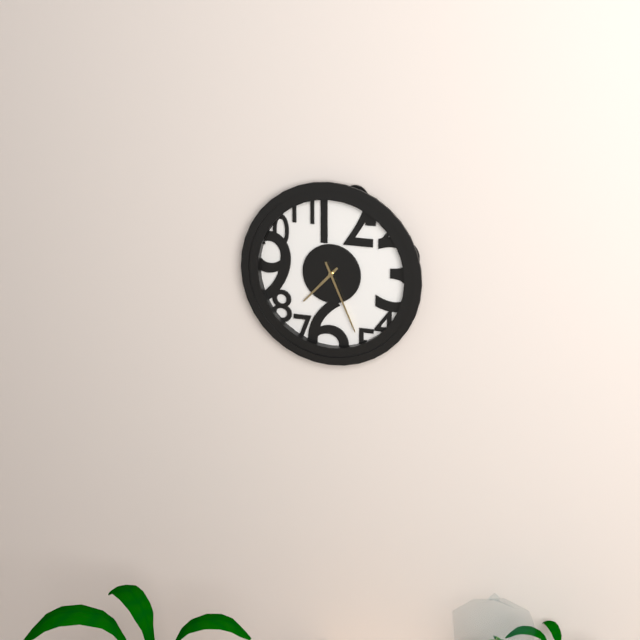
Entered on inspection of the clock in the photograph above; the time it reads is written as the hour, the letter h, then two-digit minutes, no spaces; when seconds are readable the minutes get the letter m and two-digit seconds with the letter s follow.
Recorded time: 7h26
